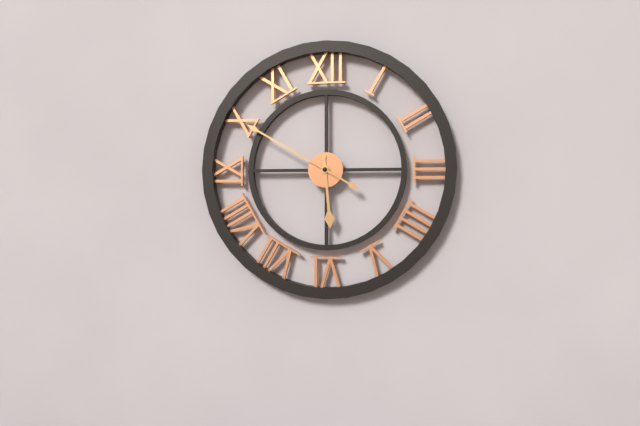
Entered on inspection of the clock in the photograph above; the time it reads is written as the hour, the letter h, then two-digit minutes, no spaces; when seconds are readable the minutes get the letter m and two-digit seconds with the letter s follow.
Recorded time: 5h50
